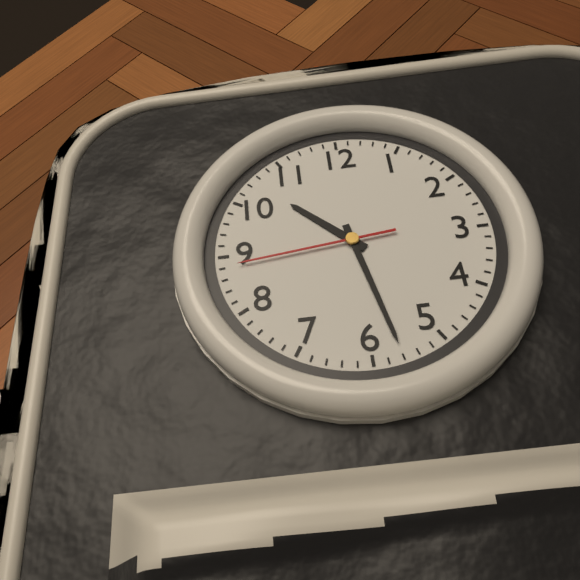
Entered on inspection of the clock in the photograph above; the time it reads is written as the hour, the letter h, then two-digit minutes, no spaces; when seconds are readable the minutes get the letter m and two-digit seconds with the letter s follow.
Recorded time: 10h28m44s
